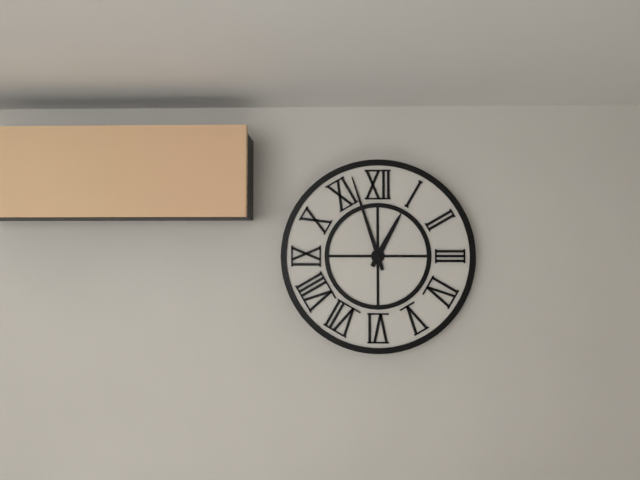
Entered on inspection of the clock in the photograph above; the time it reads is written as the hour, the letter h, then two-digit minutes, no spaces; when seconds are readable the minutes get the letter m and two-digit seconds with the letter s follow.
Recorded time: 12h57
